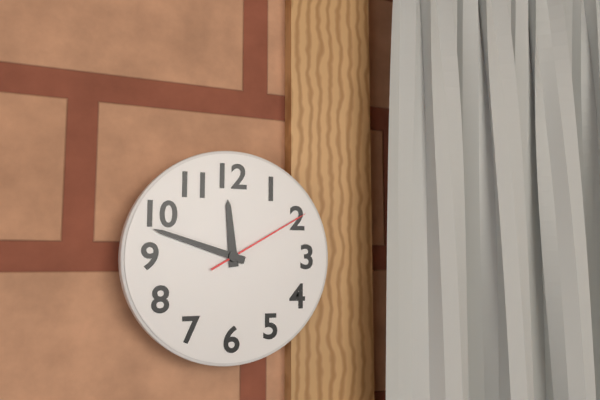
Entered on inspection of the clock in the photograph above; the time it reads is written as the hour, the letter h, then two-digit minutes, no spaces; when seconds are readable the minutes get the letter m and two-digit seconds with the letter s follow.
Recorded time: 11h48m10s
